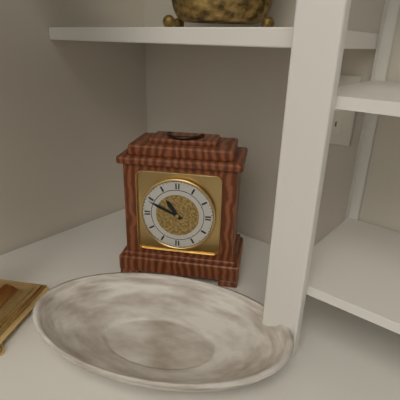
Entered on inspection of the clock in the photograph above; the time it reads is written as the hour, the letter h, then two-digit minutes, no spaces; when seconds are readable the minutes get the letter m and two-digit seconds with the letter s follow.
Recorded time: 10h49
